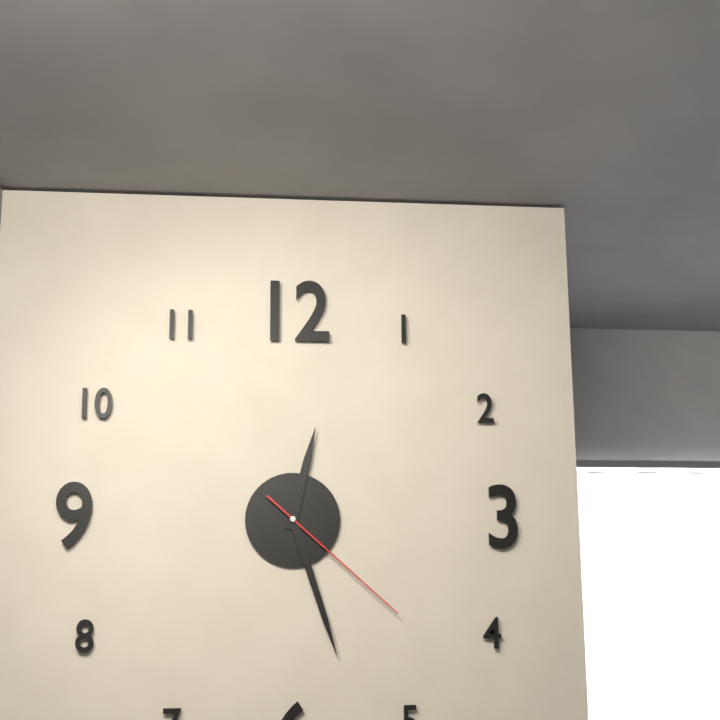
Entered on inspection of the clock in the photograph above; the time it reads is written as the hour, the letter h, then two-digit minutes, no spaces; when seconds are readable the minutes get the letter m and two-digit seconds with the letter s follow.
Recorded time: 12h27m22s
